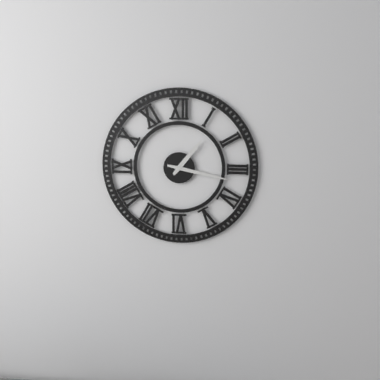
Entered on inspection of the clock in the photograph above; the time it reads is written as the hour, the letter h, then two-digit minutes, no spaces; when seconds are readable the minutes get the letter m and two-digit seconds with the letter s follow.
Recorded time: 1h17
